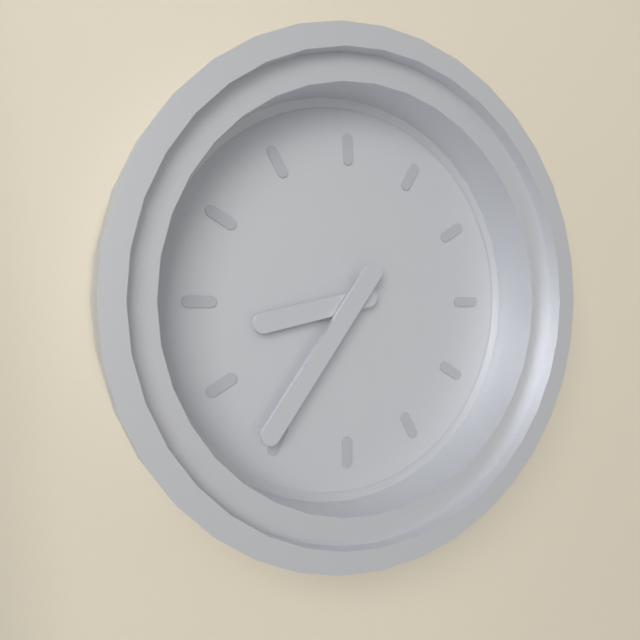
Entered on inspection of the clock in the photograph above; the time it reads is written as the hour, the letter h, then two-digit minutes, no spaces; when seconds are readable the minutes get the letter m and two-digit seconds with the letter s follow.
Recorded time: 8h36
